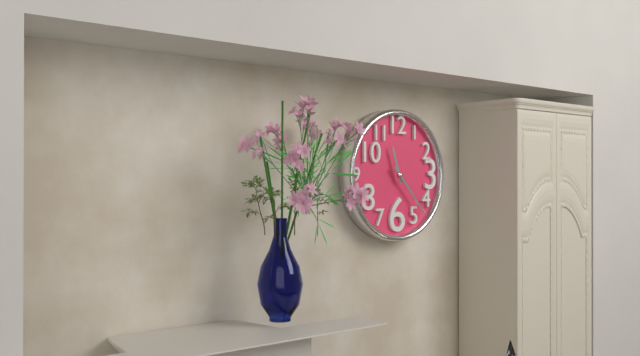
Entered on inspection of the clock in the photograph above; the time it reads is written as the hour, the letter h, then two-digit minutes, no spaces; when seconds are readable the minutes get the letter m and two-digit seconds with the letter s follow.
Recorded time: 11h23
